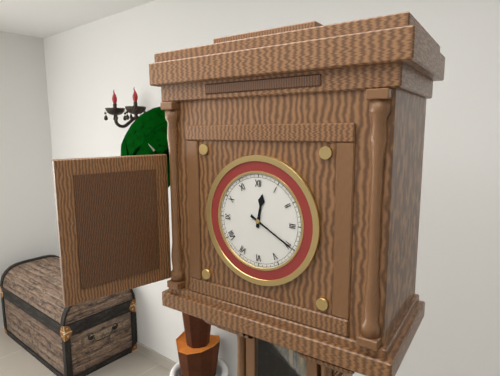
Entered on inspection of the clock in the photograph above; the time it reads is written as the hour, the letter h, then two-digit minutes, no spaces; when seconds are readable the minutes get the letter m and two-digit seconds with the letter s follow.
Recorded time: 12h20
